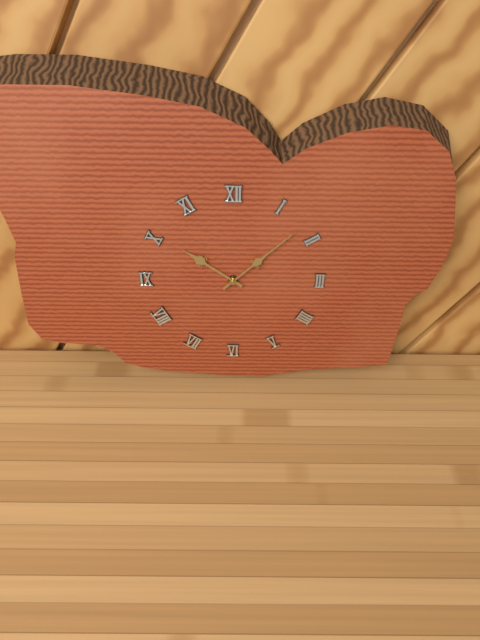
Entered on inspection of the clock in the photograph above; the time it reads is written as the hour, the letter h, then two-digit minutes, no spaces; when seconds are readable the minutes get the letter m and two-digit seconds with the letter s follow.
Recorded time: 10h08
